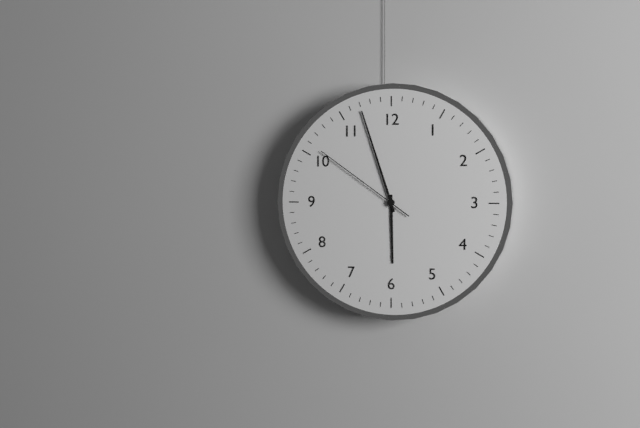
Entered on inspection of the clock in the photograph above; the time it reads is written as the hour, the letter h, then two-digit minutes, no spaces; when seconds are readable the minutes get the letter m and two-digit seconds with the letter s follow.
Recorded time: 5h57m51s
